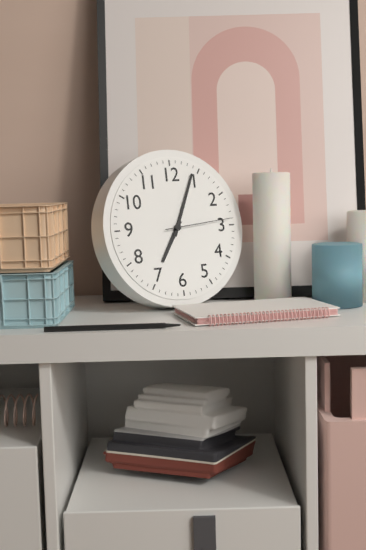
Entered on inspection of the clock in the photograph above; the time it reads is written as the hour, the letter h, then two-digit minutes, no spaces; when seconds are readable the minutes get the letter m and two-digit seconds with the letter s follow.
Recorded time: 7h04m14s
